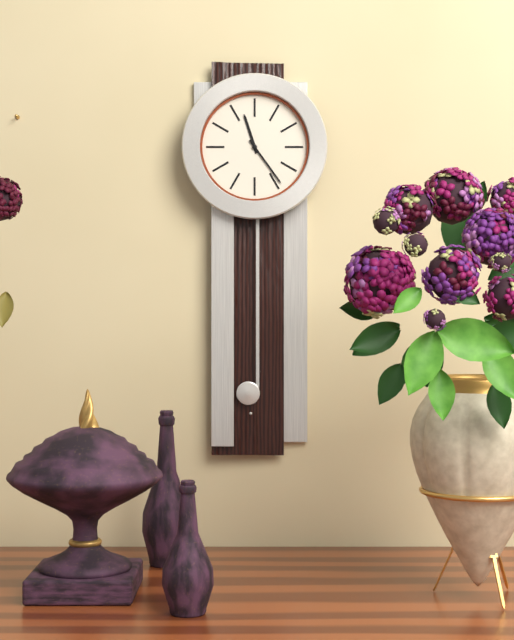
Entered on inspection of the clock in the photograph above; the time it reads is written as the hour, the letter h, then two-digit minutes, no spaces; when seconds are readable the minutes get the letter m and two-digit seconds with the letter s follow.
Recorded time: 11h24
